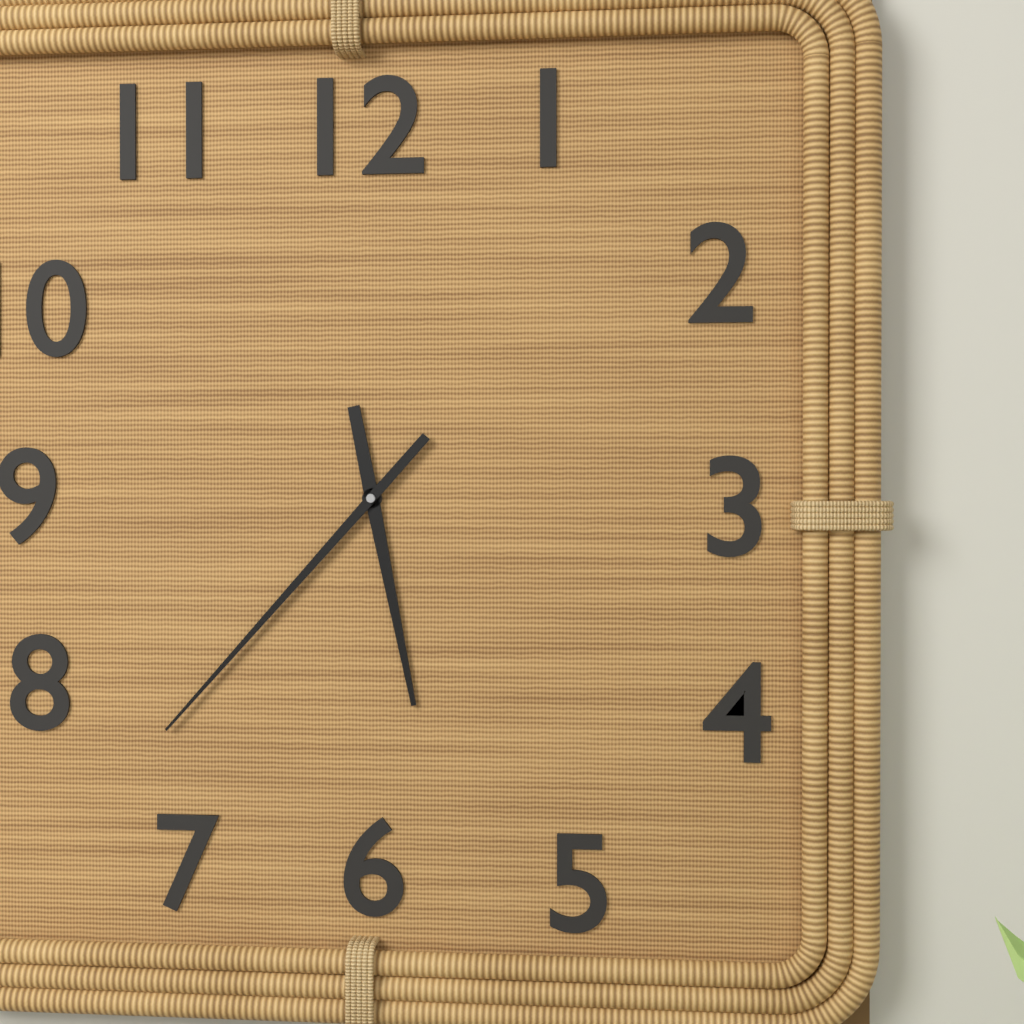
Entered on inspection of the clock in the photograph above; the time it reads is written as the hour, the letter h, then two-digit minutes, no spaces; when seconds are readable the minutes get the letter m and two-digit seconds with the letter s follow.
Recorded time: 5h37
